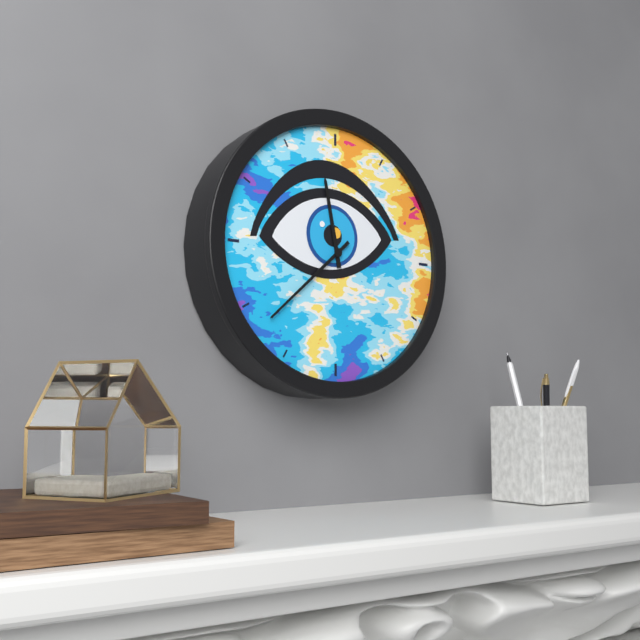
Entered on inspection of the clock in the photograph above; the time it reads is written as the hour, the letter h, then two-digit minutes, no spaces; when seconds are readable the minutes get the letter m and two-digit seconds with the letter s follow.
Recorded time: 11h38
